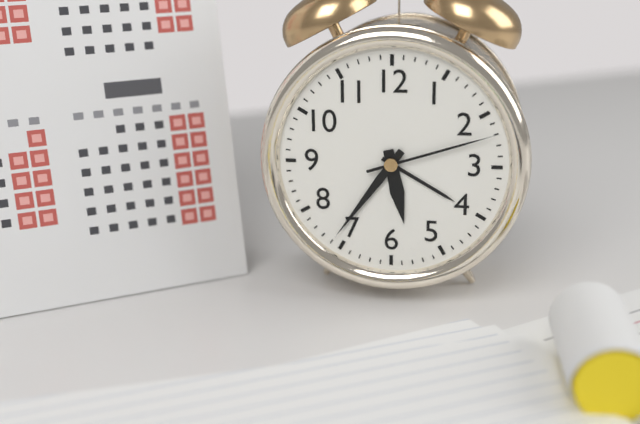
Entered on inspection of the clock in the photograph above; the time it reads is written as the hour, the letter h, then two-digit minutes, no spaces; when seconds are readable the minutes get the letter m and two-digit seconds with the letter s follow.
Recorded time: 5h36m12s
